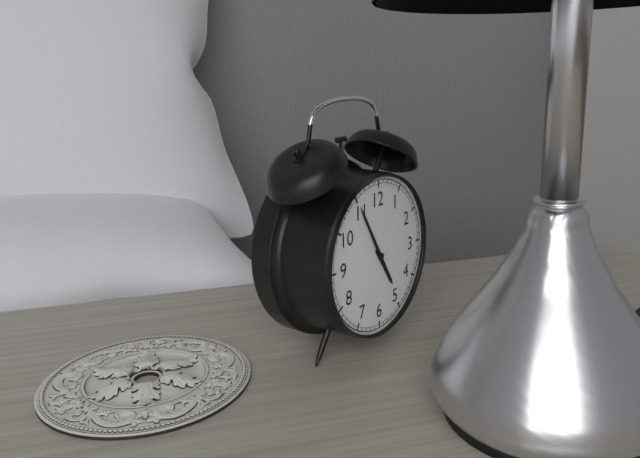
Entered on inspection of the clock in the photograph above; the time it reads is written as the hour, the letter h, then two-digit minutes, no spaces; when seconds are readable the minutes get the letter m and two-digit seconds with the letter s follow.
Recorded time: 4h55
